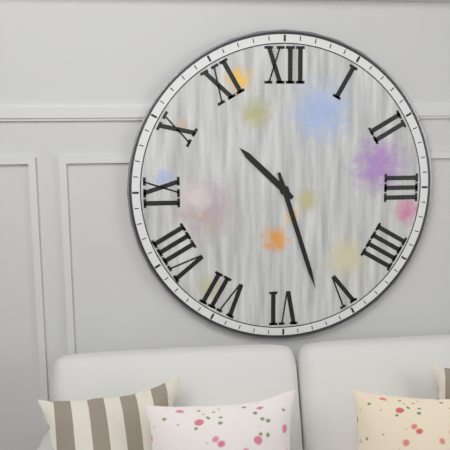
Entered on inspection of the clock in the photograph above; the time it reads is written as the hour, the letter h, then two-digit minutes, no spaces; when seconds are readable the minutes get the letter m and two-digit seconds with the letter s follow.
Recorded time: 10h27
